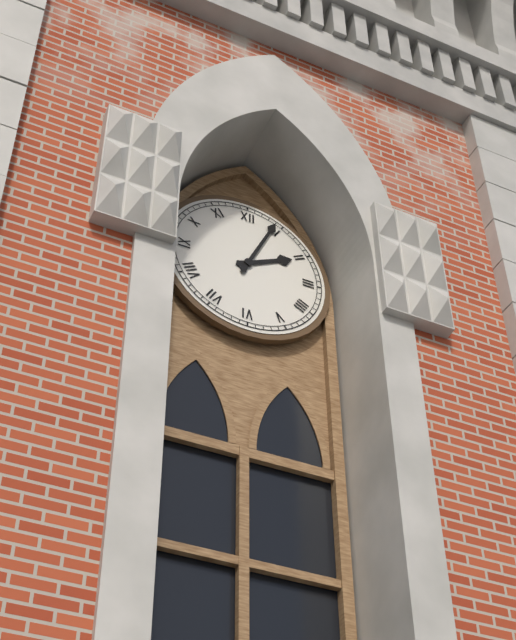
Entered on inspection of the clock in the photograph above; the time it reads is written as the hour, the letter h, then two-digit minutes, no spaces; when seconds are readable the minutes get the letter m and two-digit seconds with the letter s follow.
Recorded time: 2h04
